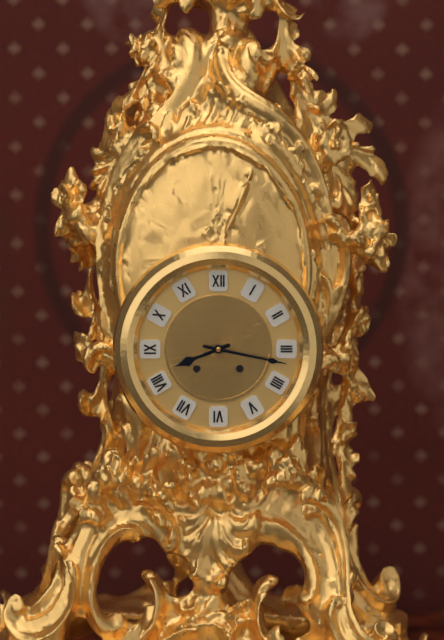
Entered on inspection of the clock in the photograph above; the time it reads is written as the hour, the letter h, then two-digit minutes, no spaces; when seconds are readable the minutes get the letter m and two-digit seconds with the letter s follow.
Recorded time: 8h17
